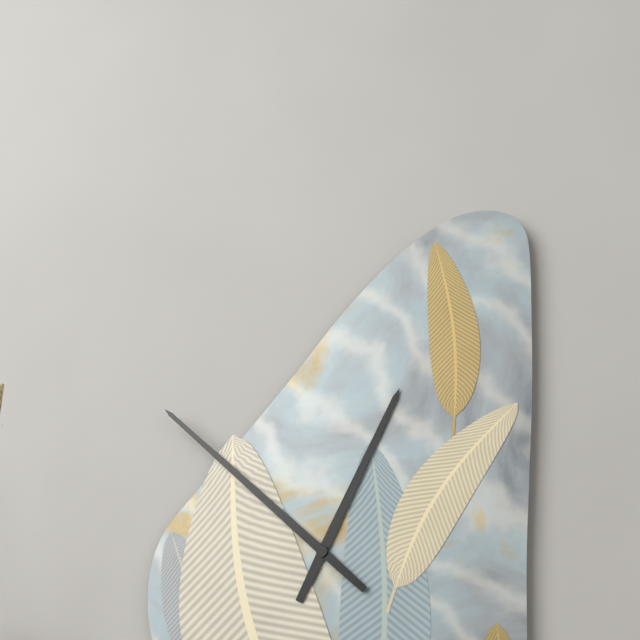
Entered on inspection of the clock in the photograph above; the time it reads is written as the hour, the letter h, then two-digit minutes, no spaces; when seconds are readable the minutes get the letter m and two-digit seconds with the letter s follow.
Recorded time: 12h52
